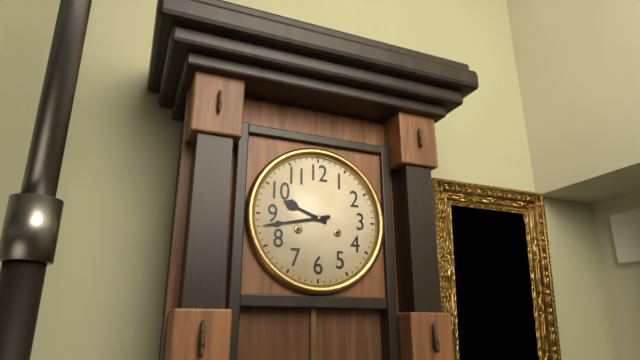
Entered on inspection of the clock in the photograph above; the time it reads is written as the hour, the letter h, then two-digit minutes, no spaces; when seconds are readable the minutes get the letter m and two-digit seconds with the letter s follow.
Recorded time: 9h43
